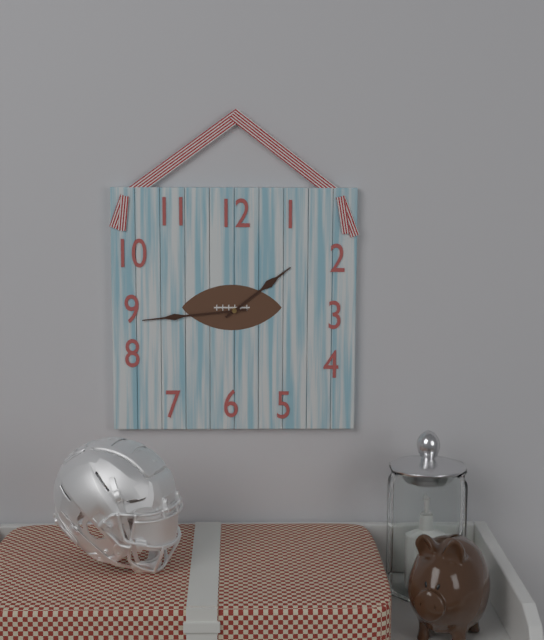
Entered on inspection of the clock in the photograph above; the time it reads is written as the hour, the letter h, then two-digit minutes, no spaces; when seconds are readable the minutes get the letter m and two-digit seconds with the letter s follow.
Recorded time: 1h44
